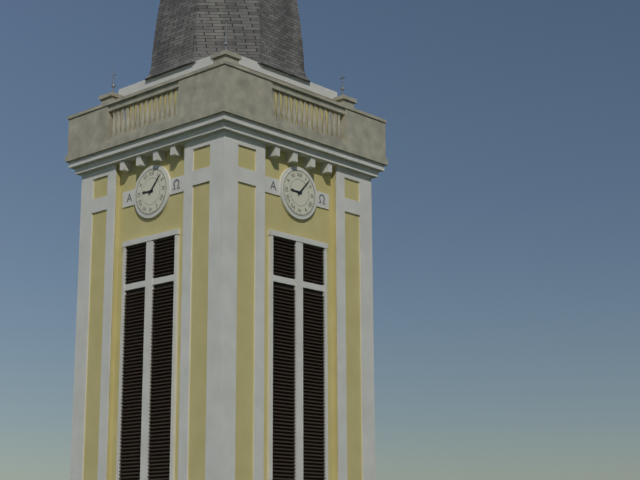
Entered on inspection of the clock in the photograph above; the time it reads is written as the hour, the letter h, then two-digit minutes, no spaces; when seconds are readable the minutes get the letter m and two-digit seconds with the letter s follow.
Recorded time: 9h07
